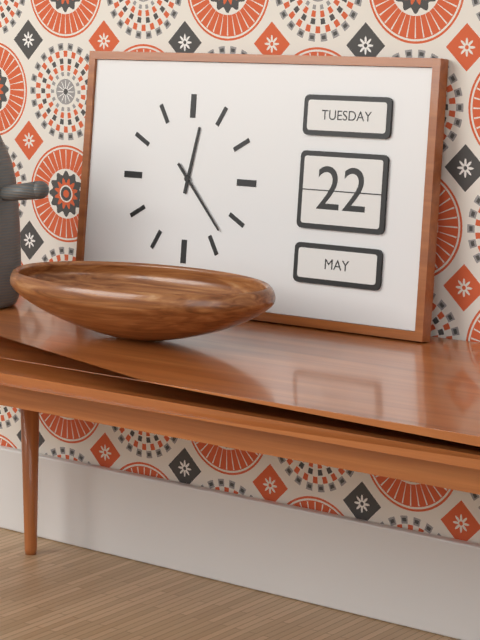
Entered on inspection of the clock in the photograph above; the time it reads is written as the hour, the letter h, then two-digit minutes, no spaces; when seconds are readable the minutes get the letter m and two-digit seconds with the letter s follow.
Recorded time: 12h23
